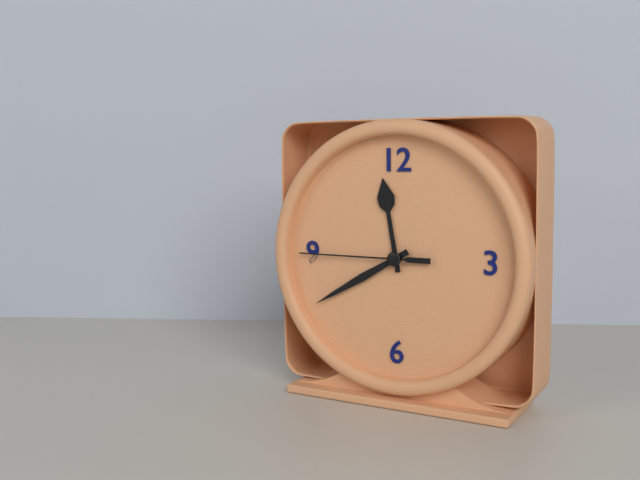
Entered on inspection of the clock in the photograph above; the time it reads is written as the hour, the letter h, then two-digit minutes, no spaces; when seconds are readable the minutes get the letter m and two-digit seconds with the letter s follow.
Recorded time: 11h40m45s
